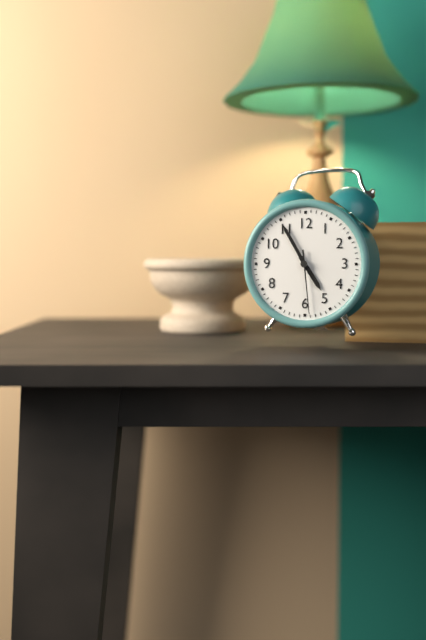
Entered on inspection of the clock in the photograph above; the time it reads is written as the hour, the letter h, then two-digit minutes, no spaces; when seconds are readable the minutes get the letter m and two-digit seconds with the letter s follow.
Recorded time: 4h55m29s
